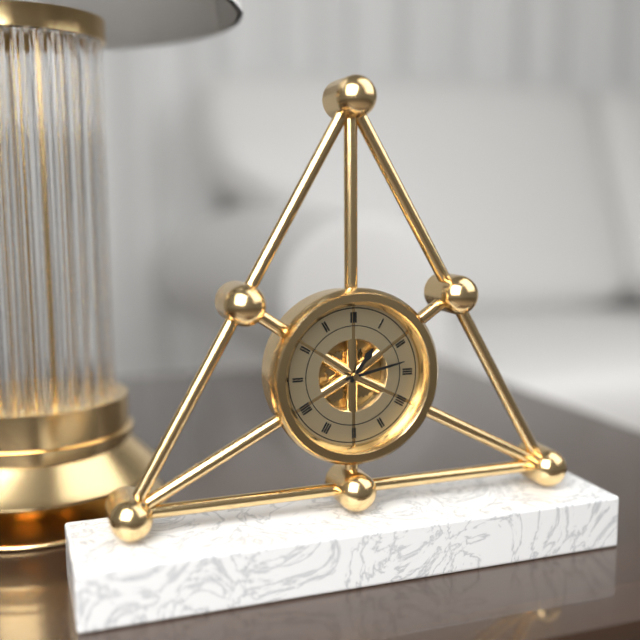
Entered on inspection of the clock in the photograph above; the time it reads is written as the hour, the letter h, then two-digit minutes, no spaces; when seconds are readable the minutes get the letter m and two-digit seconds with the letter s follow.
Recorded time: 1h13
